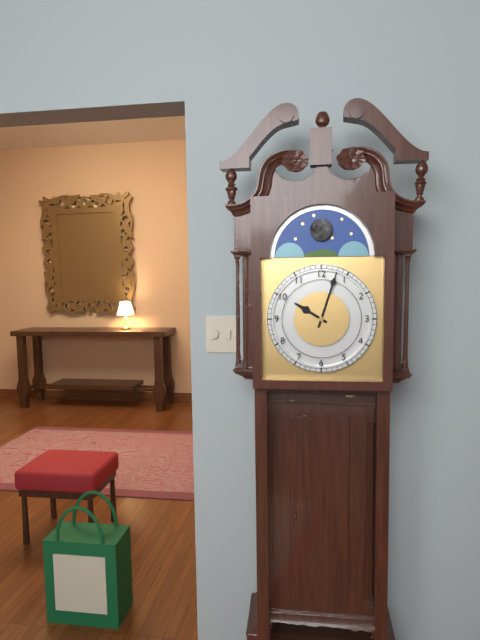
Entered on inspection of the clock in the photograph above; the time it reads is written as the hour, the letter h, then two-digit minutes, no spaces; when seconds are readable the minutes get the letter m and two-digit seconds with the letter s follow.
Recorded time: 10h03
